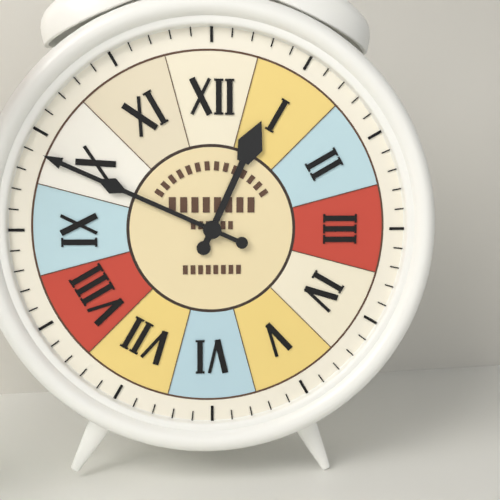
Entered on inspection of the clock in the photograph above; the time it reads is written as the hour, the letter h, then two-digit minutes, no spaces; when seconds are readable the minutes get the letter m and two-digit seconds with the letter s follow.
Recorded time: 12h49
